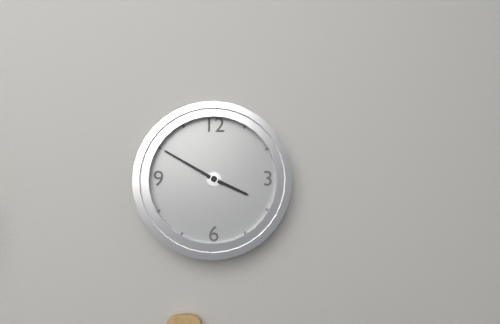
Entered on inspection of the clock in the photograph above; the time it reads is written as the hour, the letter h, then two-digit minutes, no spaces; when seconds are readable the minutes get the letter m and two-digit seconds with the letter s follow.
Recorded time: 3h50
